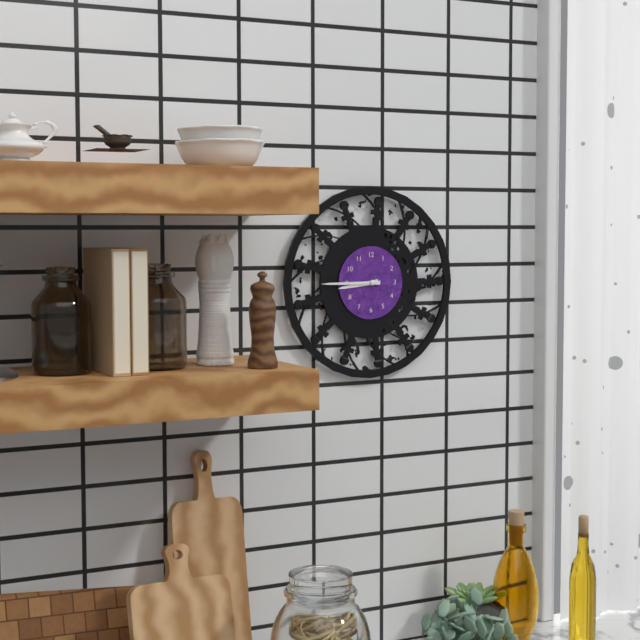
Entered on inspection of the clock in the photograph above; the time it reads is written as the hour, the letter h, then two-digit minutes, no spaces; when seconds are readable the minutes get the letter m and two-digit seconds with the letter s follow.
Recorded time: 8h45
